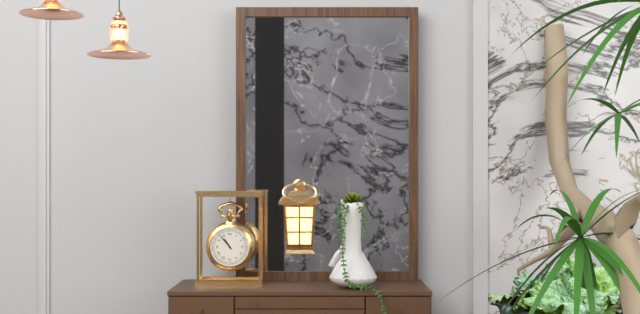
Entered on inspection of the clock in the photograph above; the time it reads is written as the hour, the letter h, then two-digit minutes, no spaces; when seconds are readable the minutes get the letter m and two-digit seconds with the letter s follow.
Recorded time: 10h53
